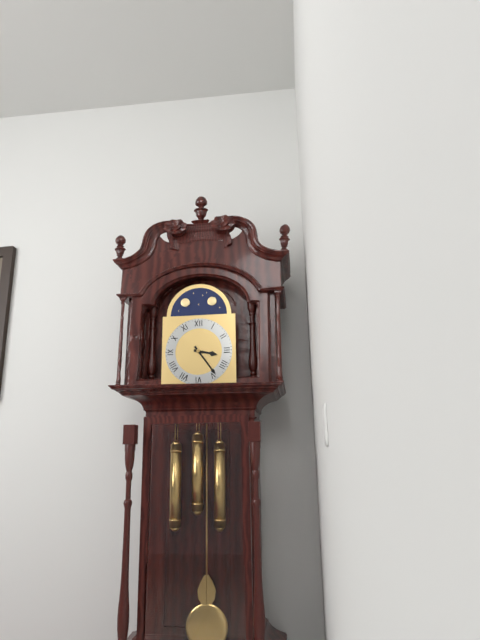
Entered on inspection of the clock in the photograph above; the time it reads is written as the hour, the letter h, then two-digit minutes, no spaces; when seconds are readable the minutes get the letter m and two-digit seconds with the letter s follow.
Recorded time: 3h24
